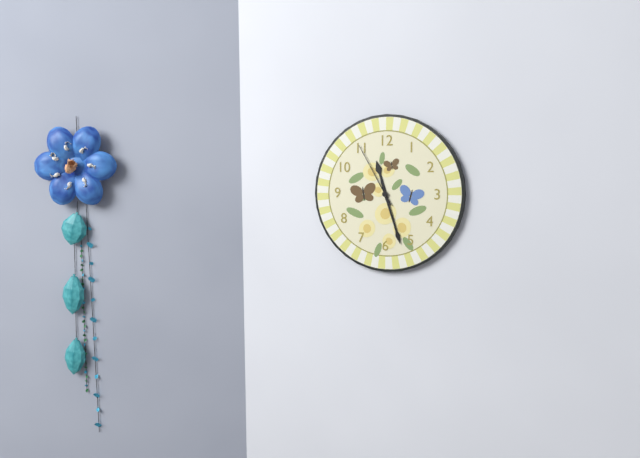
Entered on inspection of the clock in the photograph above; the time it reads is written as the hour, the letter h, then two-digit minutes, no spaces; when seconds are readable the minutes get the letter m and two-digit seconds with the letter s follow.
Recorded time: 11h27m55s
